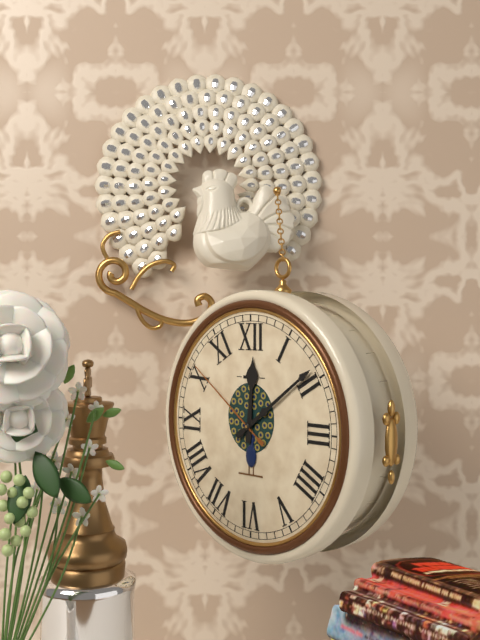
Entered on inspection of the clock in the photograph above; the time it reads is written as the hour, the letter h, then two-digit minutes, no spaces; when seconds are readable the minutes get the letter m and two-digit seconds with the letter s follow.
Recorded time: 12h09m51s
